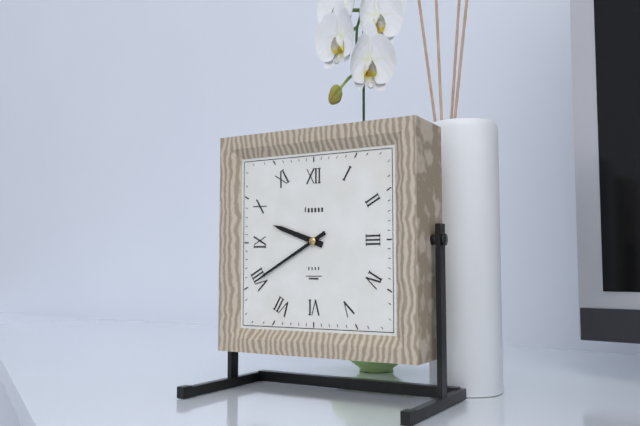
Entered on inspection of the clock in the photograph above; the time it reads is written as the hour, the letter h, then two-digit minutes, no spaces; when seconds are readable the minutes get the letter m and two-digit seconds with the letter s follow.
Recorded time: 9h40
